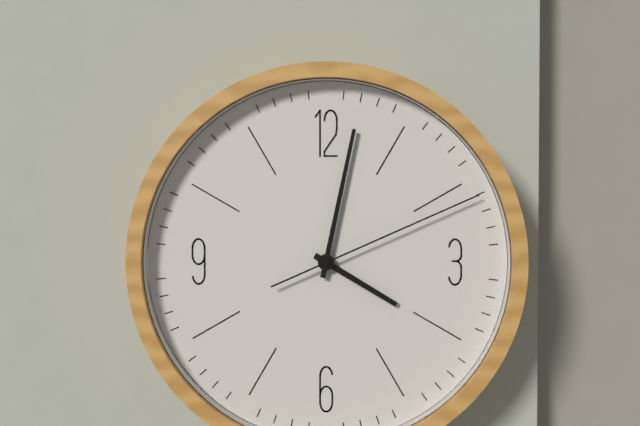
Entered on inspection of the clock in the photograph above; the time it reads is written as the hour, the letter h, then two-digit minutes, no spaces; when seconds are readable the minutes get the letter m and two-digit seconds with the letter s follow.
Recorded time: 4h02m11s
